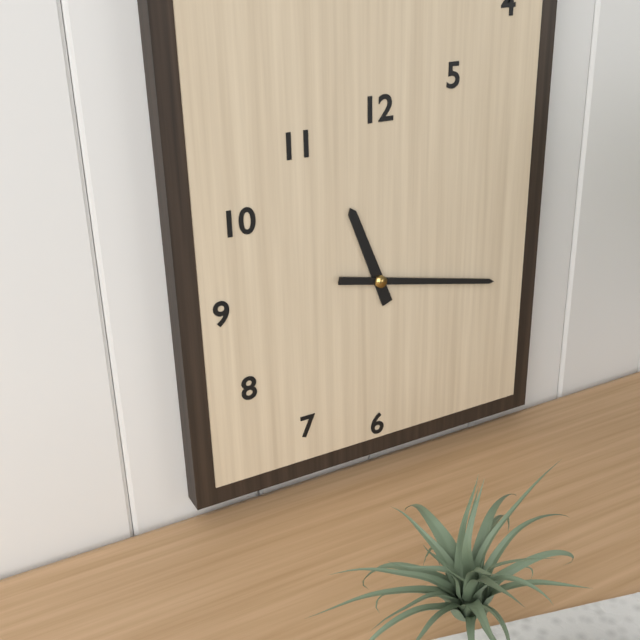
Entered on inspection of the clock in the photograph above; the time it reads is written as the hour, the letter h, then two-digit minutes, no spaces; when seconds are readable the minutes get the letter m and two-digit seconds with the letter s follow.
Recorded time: 11h17
